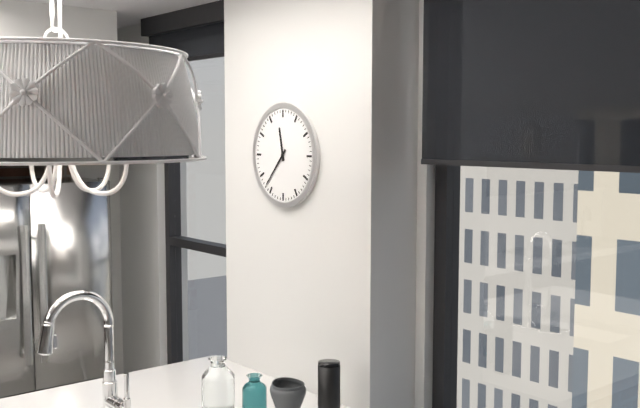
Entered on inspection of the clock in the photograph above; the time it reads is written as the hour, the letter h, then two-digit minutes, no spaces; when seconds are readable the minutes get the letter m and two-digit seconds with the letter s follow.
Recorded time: 11h37
